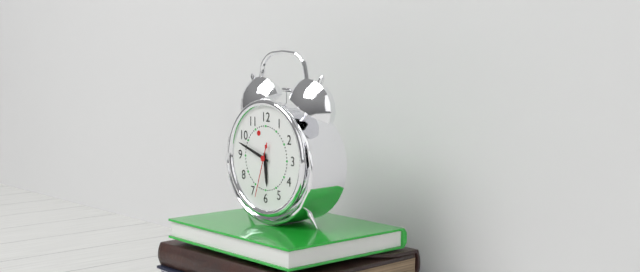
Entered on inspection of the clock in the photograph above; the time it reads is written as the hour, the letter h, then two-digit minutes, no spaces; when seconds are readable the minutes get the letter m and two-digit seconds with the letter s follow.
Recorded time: 5h48
